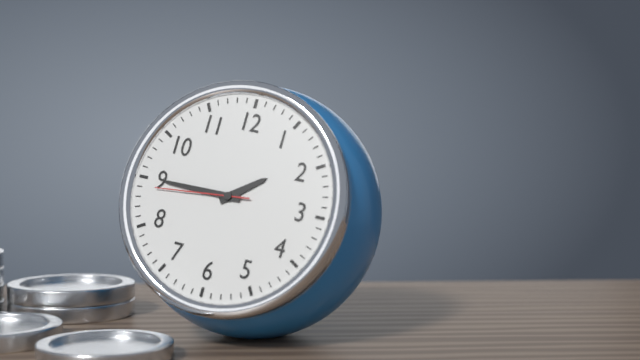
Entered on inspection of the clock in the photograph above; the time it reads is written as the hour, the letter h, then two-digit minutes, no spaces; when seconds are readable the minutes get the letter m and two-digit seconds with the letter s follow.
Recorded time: 1h45m44s
